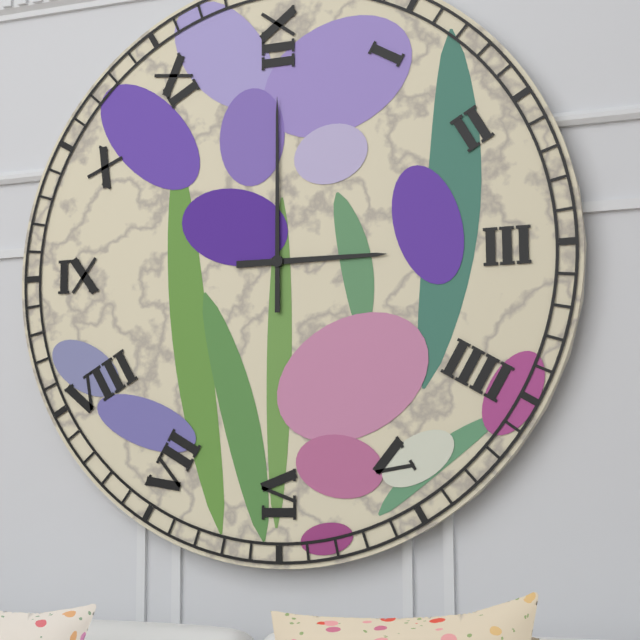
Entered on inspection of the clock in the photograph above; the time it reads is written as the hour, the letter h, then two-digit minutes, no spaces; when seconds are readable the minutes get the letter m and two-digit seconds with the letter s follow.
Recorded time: 3h00
